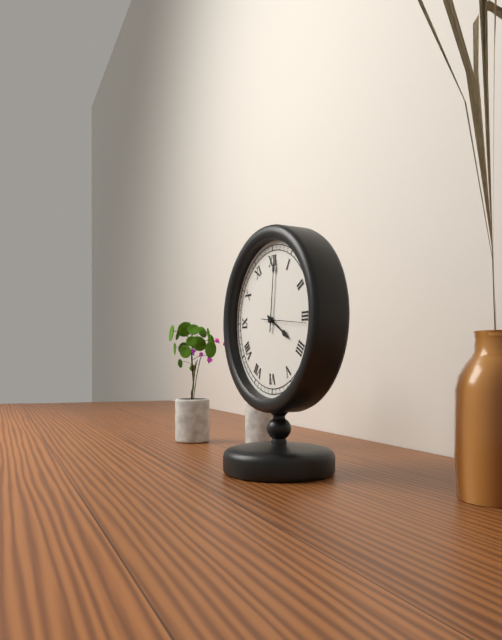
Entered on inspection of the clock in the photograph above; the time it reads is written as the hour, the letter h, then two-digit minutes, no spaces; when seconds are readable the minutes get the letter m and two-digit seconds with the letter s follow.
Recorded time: 4h01
